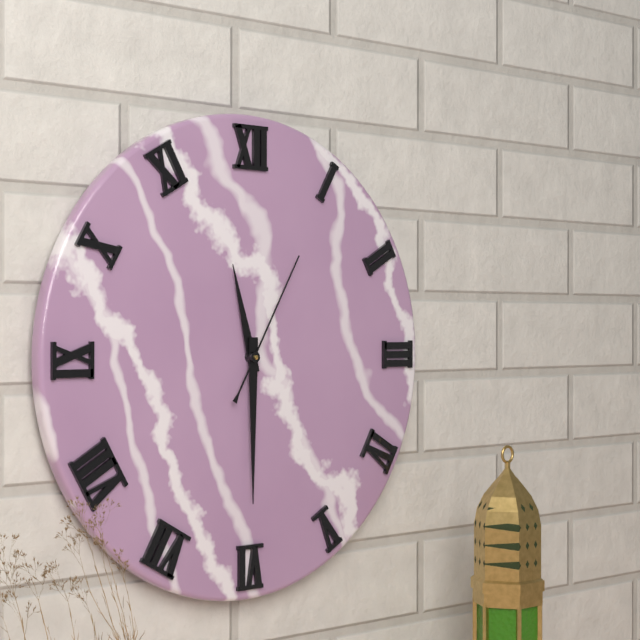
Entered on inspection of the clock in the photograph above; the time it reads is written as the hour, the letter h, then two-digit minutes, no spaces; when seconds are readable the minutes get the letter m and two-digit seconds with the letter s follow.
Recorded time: 11h30m05s
